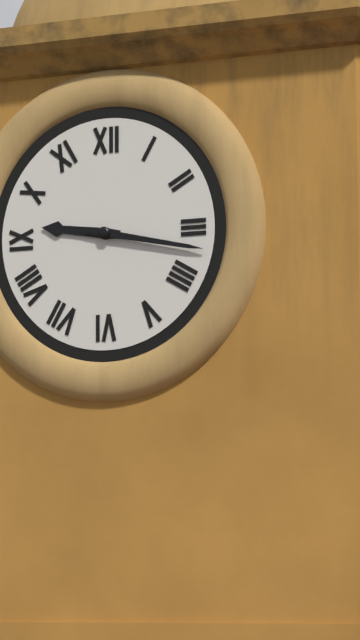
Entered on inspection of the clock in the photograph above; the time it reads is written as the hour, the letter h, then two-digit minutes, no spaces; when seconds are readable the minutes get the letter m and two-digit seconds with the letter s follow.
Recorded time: 9h17
